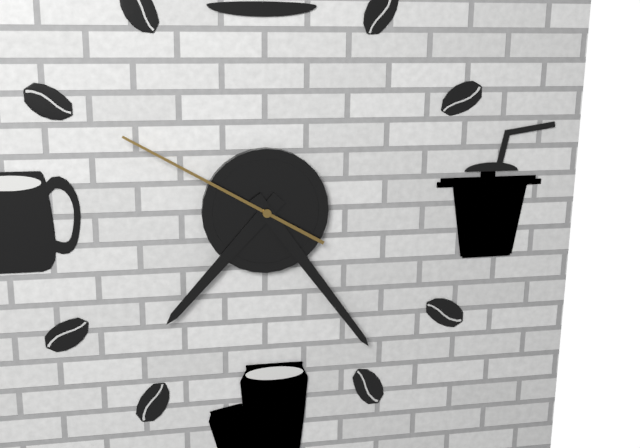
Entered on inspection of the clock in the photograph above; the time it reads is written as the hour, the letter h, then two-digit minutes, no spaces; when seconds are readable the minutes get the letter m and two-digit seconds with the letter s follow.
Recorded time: 7h24m50s
